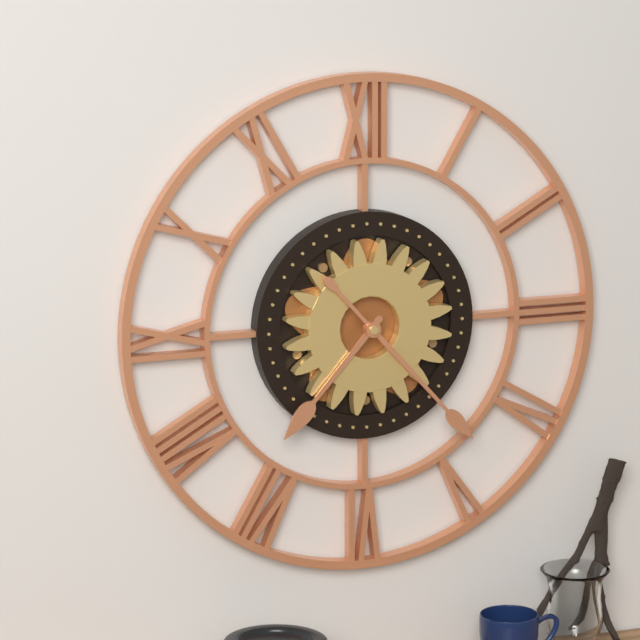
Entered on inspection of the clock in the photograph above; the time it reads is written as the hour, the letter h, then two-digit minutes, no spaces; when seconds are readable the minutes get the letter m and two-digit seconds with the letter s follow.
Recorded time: 7h23
